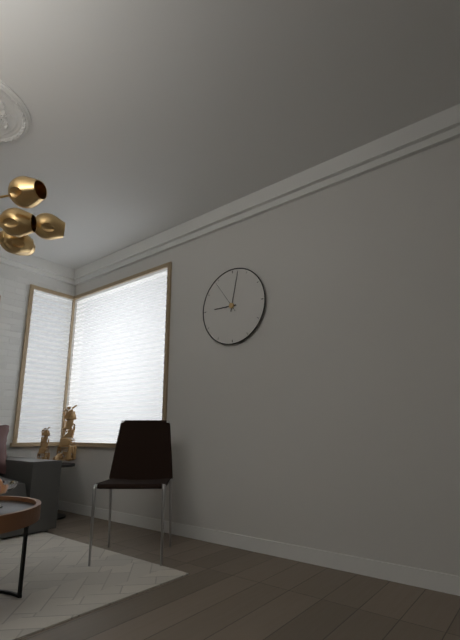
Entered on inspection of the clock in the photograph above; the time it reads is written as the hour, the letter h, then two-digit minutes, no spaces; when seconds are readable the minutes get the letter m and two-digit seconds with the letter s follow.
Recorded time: 9h02
